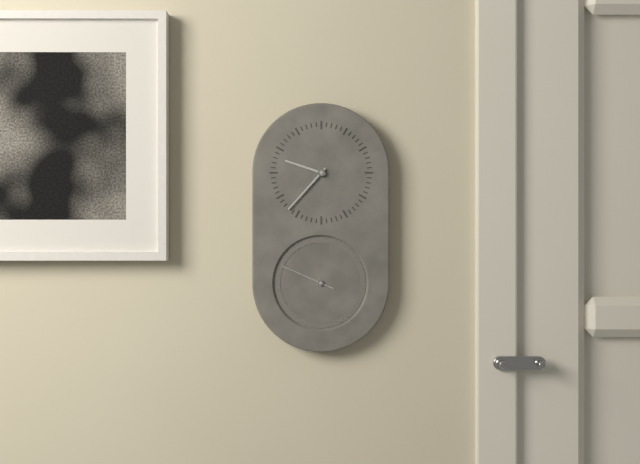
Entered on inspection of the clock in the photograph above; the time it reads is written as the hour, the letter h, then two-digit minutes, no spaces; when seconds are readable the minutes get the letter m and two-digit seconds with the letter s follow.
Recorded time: 9h37m49s
